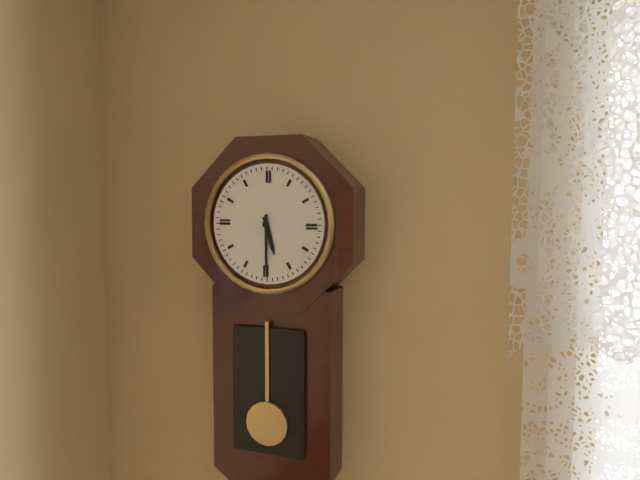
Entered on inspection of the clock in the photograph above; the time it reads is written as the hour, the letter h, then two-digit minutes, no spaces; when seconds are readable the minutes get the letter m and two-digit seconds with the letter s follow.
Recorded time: 5h30
